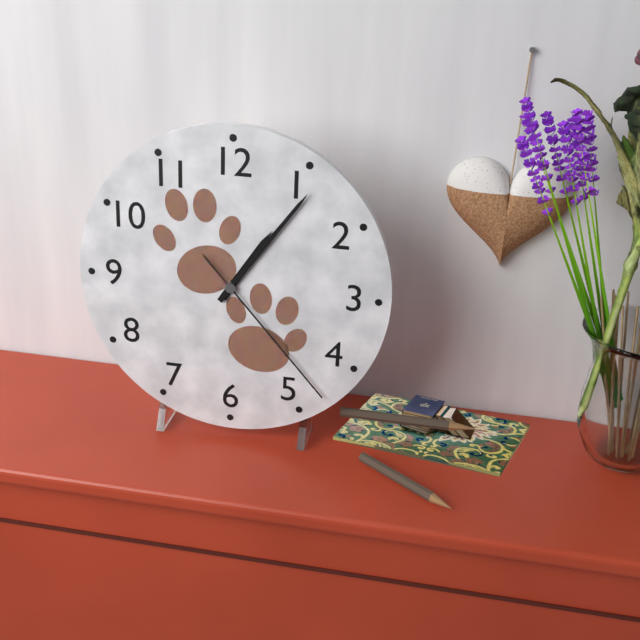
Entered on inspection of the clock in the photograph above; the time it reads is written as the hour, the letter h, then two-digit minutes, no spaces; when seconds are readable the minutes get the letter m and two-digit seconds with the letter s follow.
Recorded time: 1h06m23s
